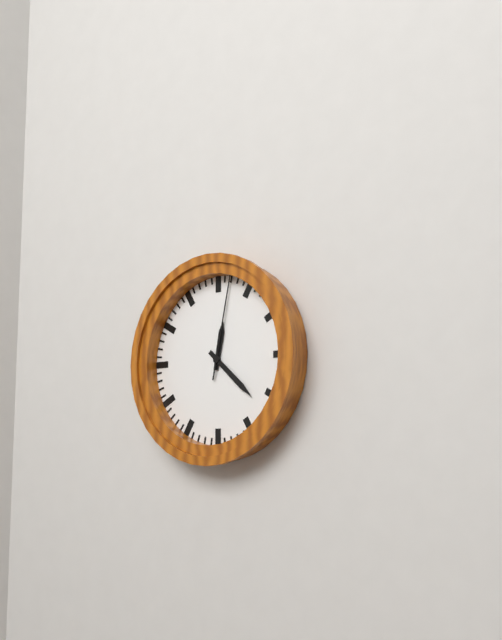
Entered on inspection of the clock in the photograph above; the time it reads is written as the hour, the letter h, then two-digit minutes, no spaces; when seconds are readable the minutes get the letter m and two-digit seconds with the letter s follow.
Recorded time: 12h22m02s
